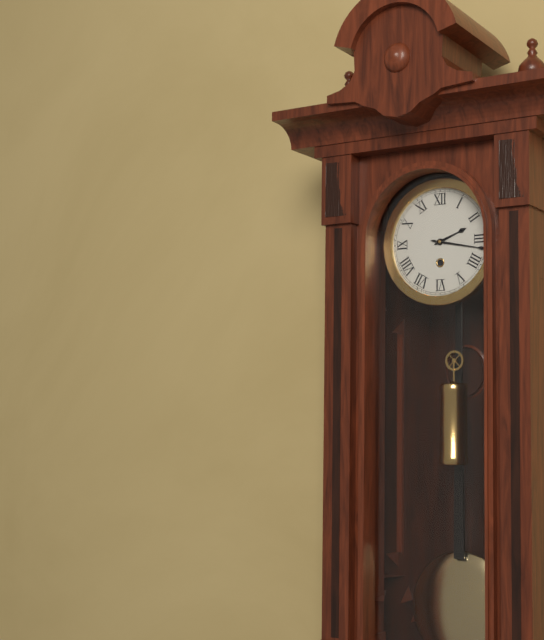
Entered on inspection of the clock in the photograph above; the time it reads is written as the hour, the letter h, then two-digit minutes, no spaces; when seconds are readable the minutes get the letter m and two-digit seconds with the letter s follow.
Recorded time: 2h17
